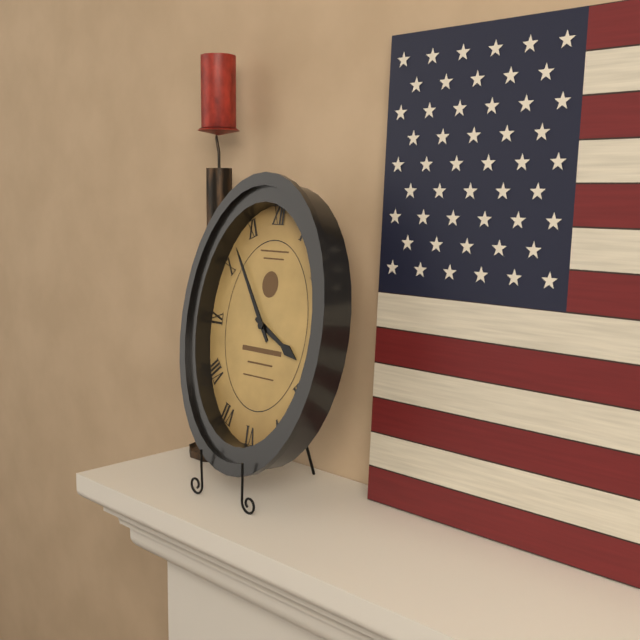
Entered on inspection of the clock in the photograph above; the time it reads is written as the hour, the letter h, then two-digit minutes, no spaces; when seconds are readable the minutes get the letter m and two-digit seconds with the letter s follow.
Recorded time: 3h54
